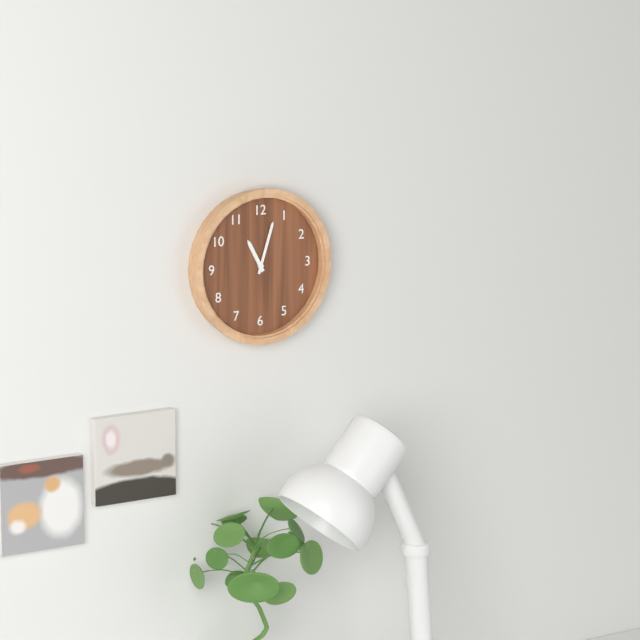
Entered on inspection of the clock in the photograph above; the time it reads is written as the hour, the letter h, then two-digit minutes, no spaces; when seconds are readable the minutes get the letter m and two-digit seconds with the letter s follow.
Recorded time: 11h03
